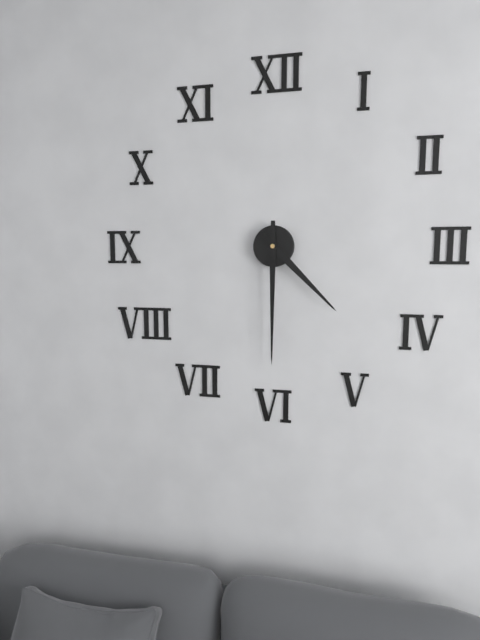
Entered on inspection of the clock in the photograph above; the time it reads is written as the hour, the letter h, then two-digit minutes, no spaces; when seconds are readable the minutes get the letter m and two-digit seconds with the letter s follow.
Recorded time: 4h30
